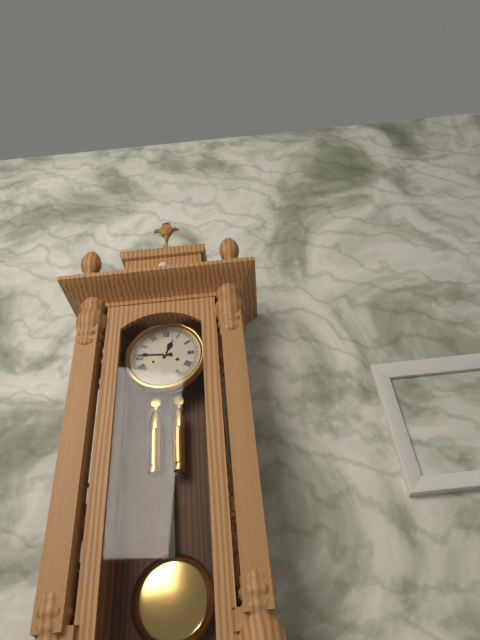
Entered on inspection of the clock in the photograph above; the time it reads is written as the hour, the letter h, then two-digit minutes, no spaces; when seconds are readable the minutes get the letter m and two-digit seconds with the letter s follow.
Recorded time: 12h46
